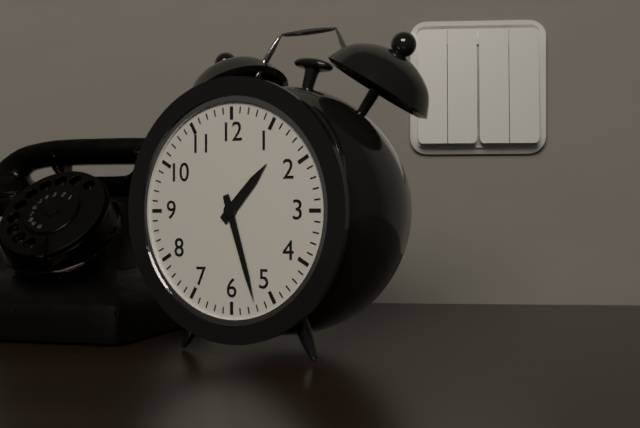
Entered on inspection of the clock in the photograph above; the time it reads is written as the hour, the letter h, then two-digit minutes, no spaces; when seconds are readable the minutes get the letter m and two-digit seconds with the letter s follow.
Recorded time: 1h27
